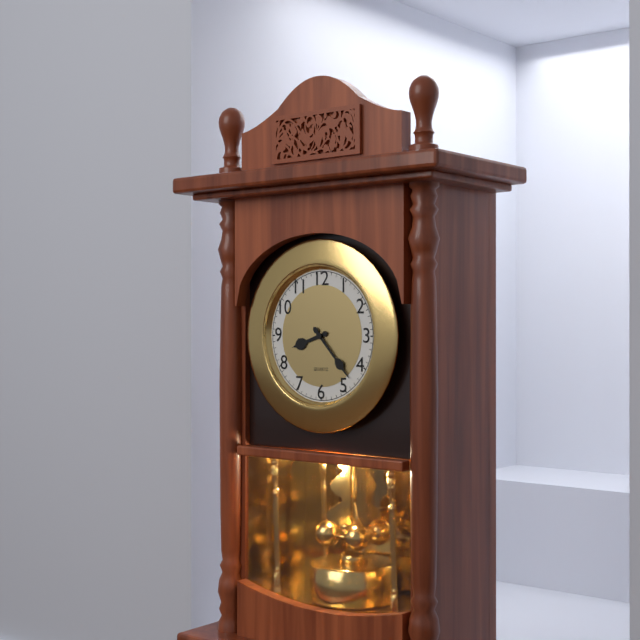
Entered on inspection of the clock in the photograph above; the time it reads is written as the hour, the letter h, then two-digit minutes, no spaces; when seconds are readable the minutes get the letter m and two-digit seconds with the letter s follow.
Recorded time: 8h23
